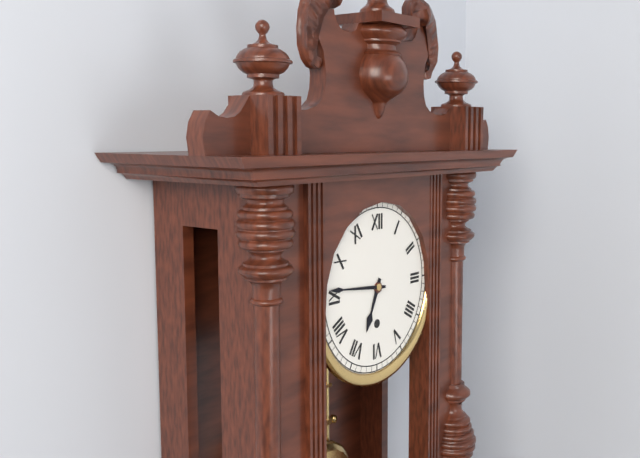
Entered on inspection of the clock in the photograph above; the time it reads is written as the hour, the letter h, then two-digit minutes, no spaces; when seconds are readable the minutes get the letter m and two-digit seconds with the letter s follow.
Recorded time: 6h46
